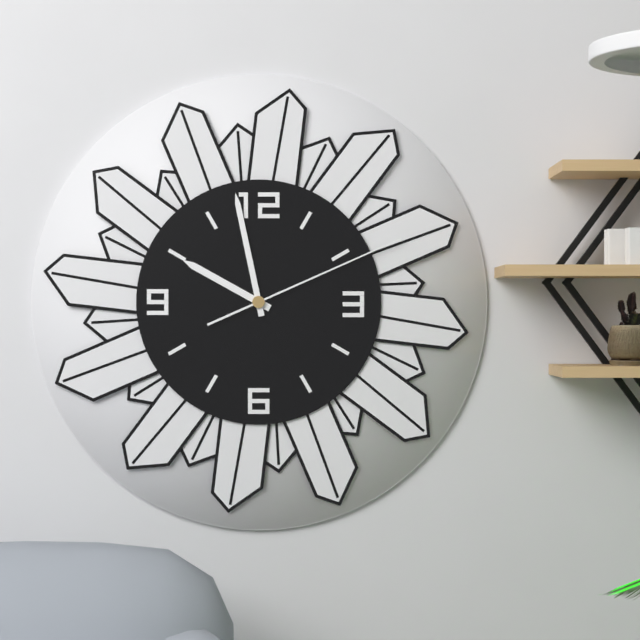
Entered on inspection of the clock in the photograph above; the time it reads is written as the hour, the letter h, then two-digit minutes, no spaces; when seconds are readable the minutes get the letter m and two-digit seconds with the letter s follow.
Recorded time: 9h58m11s
